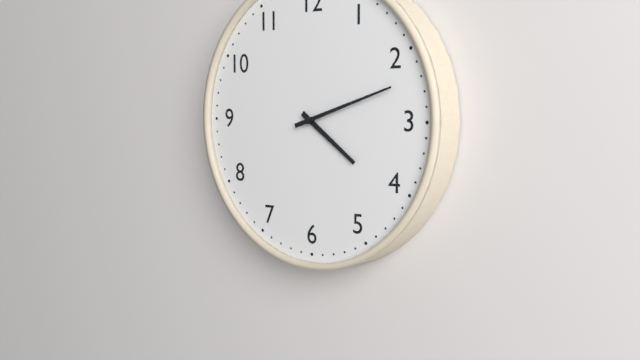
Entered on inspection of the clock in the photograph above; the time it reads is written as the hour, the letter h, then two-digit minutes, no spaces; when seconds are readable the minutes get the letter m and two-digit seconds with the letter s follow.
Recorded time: 4h12
